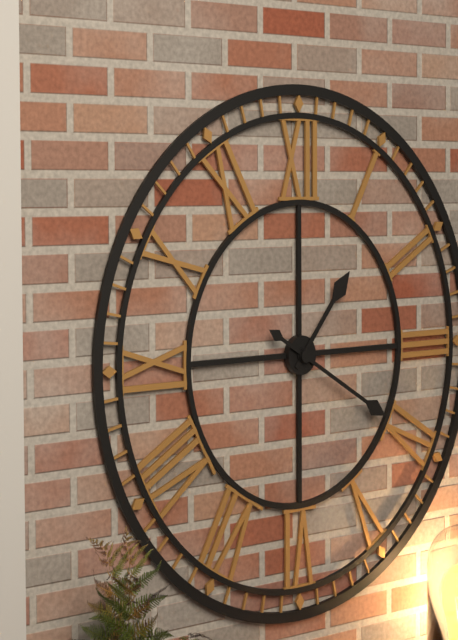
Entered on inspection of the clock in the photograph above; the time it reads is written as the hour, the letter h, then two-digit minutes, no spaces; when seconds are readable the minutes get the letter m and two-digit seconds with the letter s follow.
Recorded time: 1h20
